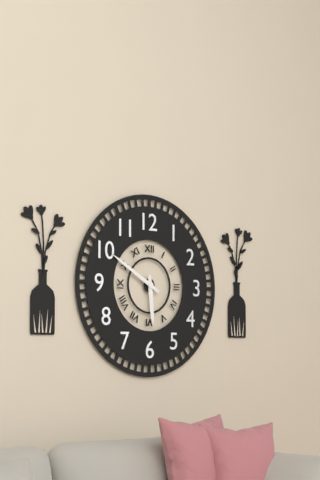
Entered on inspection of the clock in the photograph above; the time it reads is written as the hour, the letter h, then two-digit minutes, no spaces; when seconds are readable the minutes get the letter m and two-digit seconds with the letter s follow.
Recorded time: 5h50
